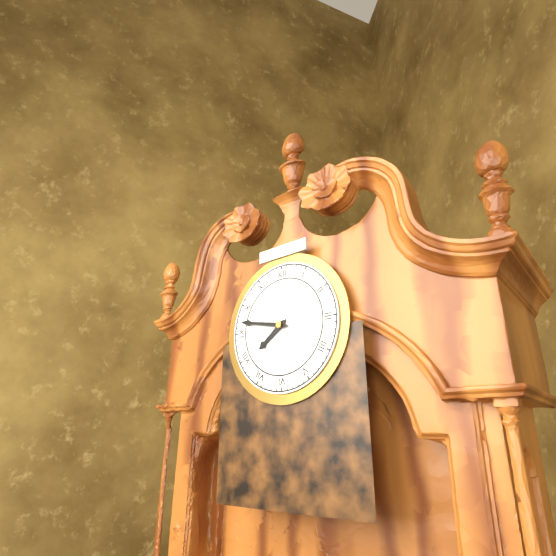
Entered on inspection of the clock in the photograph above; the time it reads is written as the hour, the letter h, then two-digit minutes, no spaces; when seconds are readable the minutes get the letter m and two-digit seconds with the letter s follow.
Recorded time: 7h47
